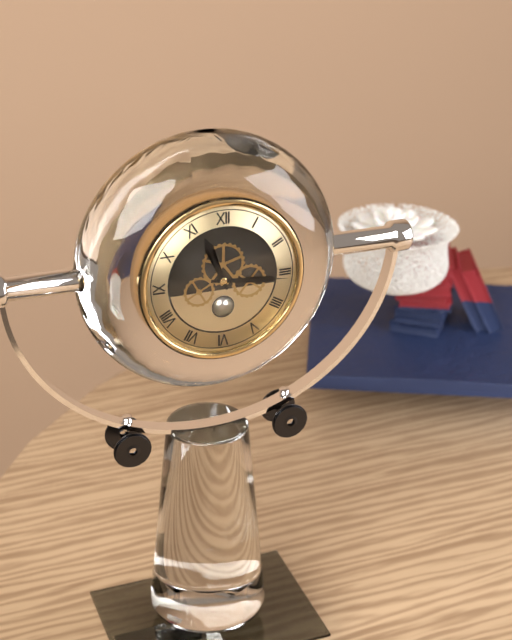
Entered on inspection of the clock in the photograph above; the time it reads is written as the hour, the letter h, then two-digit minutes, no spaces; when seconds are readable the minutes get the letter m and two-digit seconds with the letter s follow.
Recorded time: 11h16
